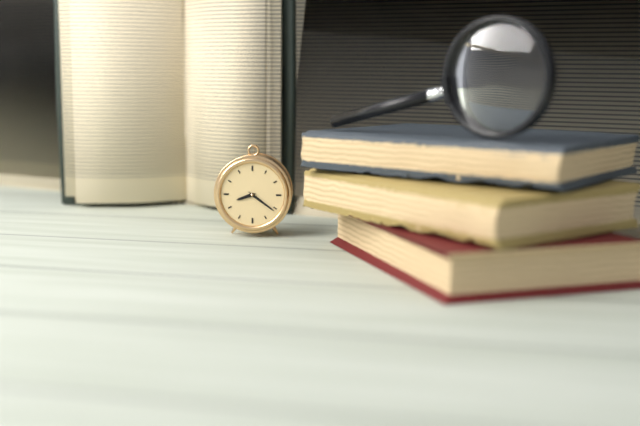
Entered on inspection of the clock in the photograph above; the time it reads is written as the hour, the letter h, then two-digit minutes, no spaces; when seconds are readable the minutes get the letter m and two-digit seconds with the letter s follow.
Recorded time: 8h21
